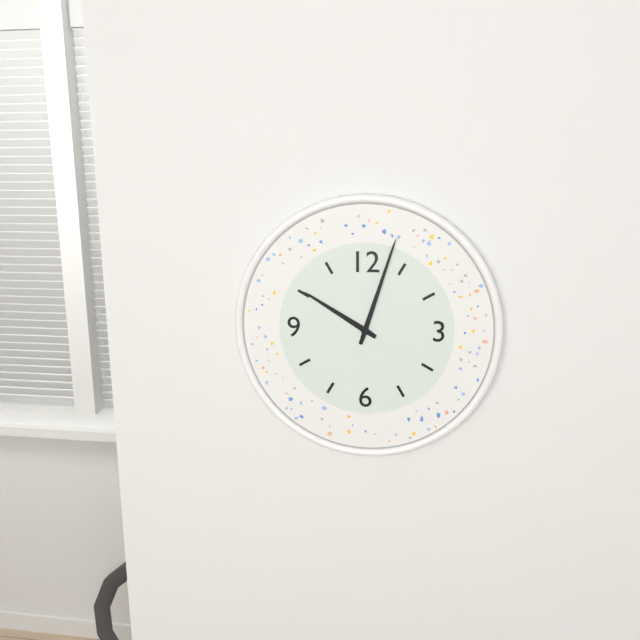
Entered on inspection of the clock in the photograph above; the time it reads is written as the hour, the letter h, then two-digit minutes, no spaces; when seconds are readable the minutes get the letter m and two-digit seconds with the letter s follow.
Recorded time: 10h03
